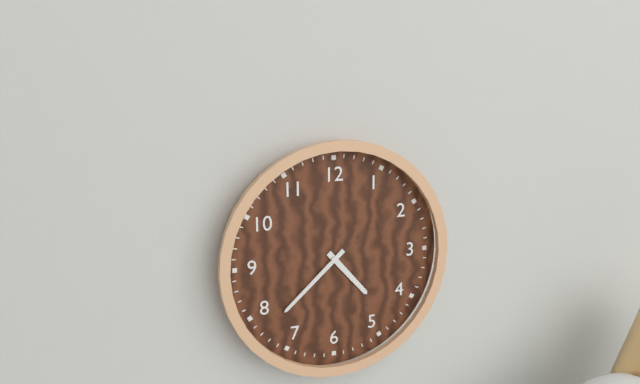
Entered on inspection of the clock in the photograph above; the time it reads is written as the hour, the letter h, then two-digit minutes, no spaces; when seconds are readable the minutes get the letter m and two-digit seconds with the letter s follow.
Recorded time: 4h38
